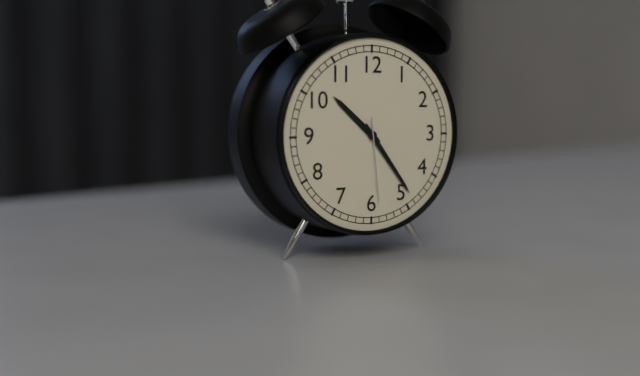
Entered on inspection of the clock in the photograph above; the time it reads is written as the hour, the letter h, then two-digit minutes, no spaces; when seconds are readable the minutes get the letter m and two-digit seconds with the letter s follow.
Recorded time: 10h24m29s
